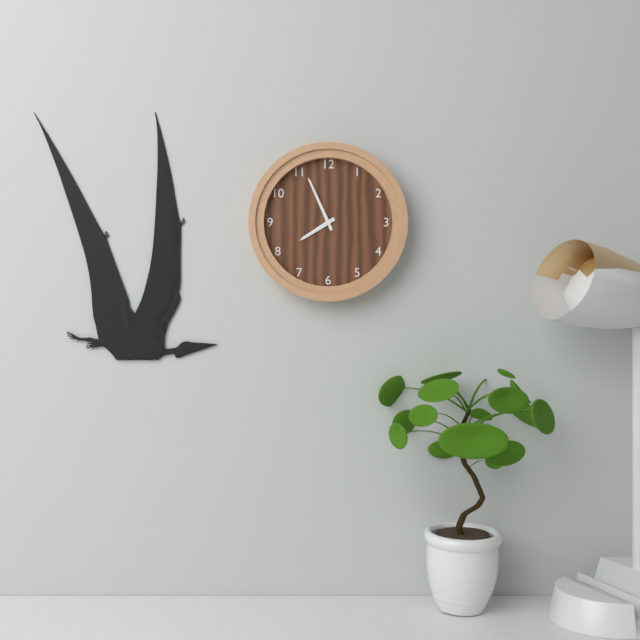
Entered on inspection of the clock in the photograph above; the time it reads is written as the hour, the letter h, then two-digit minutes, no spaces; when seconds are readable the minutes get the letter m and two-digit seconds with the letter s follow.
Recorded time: 7h56
